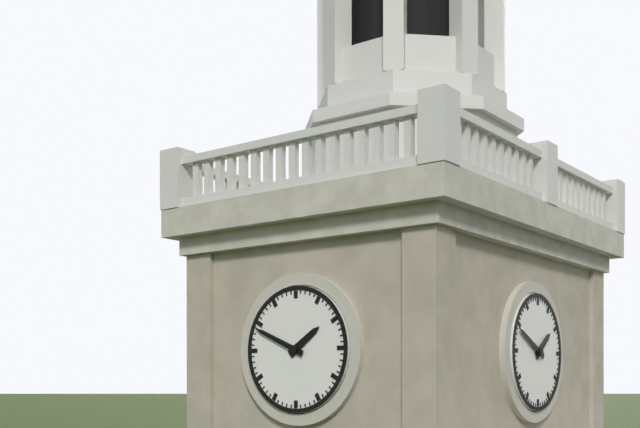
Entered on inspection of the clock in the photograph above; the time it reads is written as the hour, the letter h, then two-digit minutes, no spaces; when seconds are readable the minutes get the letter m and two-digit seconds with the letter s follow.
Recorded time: 1h49
